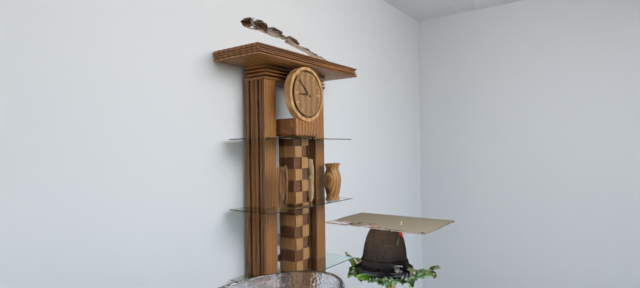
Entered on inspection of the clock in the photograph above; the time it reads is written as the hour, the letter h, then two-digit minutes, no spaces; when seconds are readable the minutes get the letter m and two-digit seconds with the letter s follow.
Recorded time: 8h52
